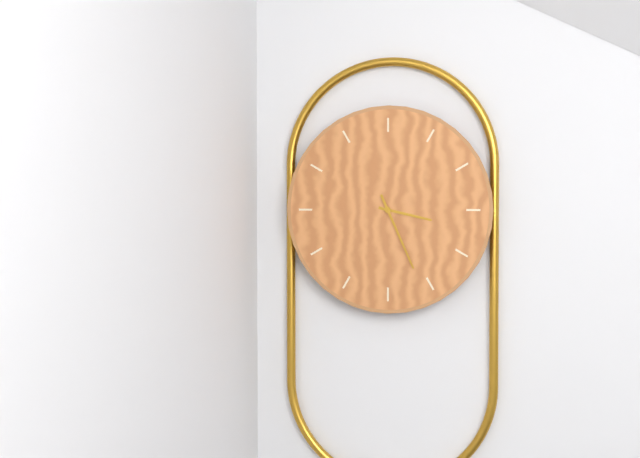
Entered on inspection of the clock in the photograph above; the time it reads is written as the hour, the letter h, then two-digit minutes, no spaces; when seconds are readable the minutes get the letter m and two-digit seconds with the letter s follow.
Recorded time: 3h26
